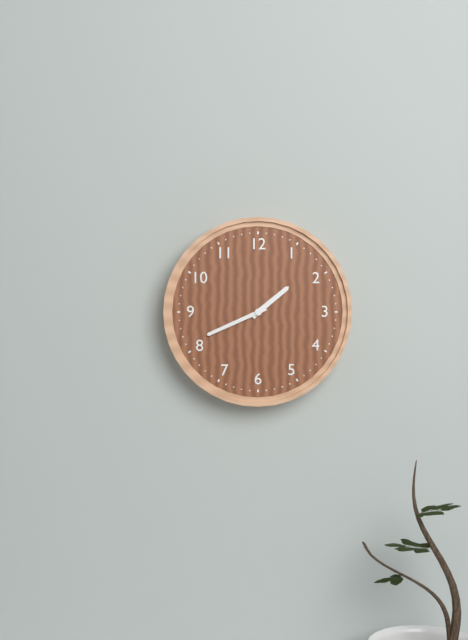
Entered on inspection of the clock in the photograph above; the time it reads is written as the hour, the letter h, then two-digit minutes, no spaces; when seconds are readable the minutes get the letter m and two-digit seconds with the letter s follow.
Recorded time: 1h41
